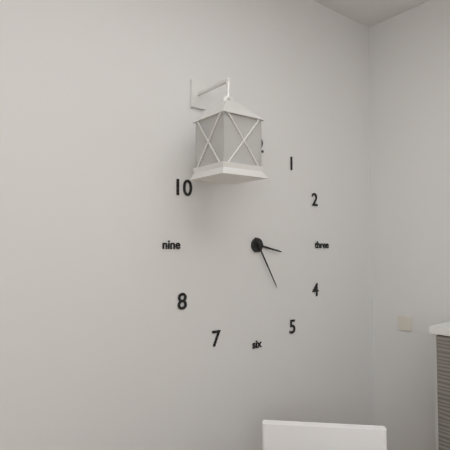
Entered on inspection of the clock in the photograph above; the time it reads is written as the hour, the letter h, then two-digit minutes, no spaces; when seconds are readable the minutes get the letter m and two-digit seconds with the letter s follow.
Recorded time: 3h25
